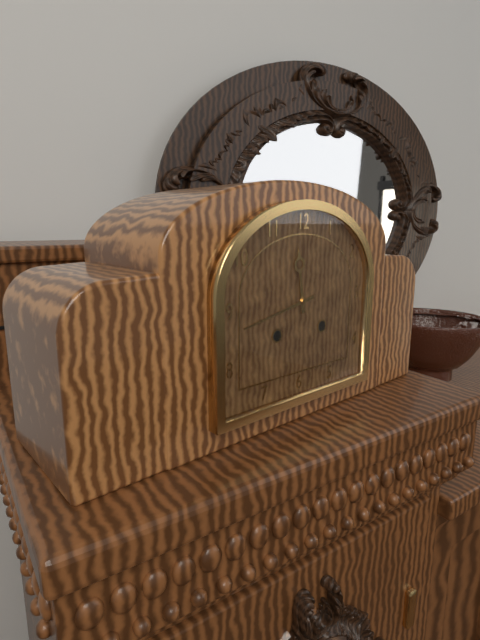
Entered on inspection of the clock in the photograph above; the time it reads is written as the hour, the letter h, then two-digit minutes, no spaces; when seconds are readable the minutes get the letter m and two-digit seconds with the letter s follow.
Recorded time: 11h43
